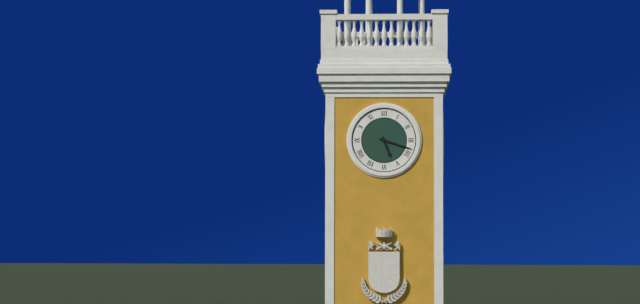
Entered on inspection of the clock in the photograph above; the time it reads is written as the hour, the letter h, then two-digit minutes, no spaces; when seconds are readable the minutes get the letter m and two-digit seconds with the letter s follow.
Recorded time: 5h18
